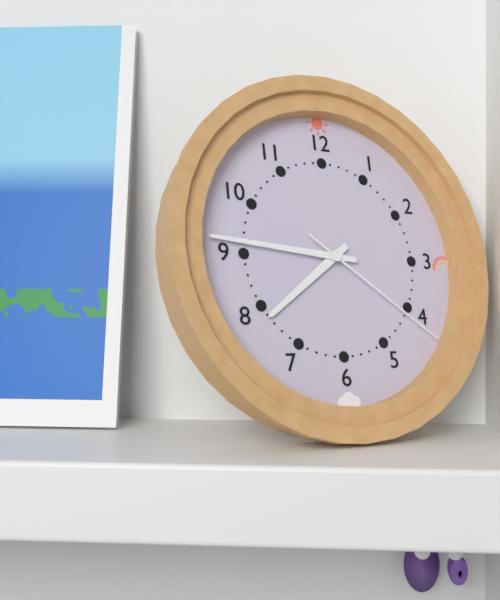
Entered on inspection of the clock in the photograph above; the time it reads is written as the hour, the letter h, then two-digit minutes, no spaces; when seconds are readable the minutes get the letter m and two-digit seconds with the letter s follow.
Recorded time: 7h46m21s
